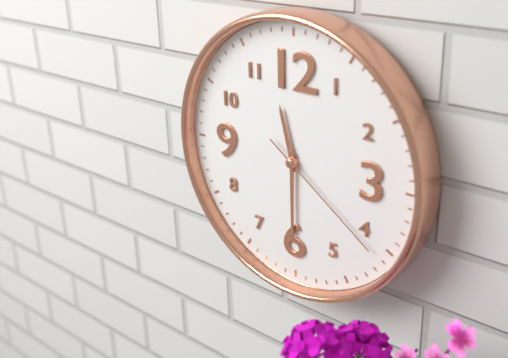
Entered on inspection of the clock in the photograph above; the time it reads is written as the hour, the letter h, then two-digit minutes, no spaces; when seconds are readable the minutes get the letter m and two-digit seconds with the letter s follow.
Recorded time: 11h30m21s
